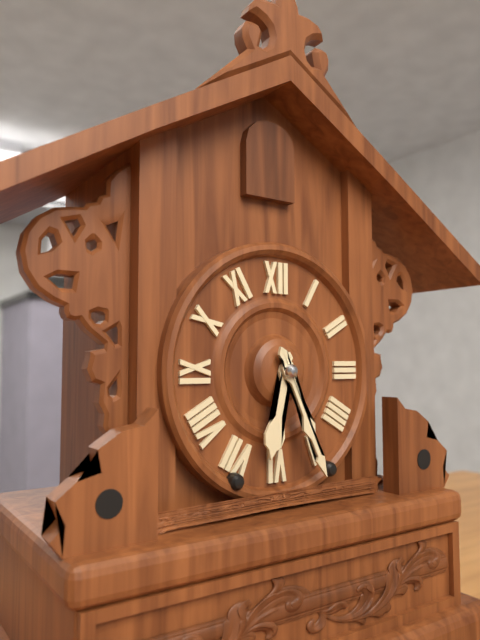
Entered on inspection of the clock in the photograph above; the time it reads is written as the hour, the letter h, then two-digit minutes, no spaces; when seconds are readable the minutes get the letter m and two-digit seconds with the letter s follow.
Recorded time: 6h26
